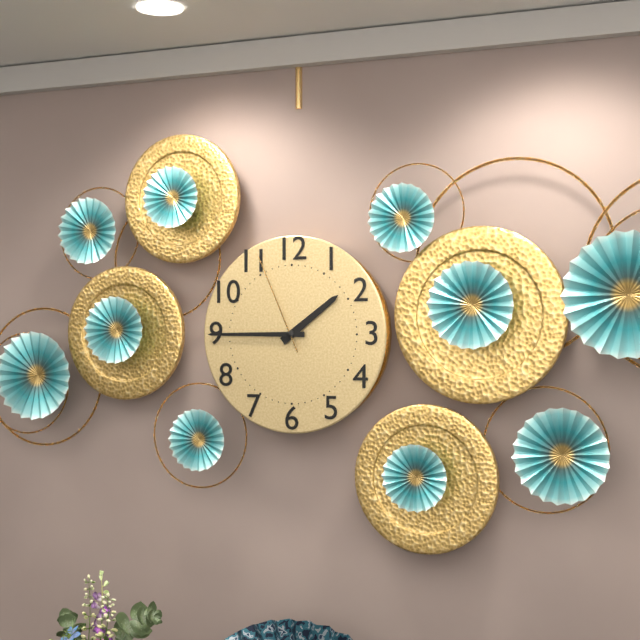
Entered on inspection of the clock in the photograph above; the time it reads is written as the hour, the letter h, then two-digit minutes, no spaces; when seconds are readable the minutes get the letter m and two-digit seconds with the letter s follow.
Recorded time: 1h45m56s
